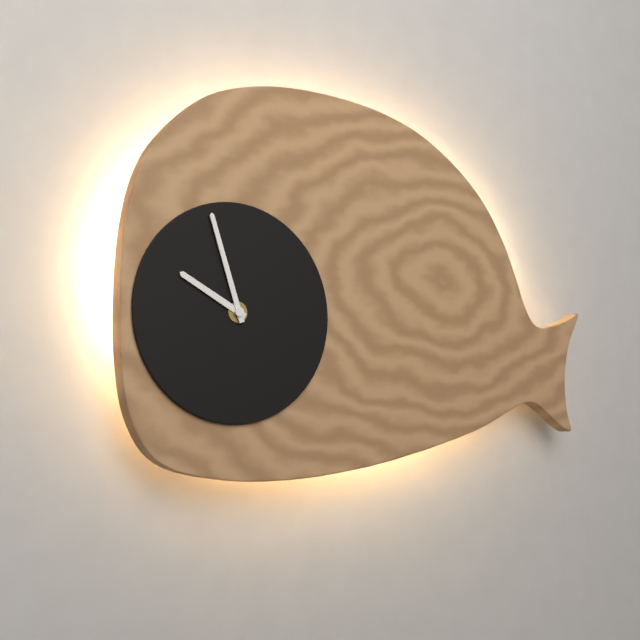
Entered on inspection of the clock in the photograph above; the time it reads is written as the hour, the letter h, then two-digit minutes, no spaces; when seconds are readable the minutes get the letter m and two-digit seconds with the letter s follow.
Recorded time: 9h57
